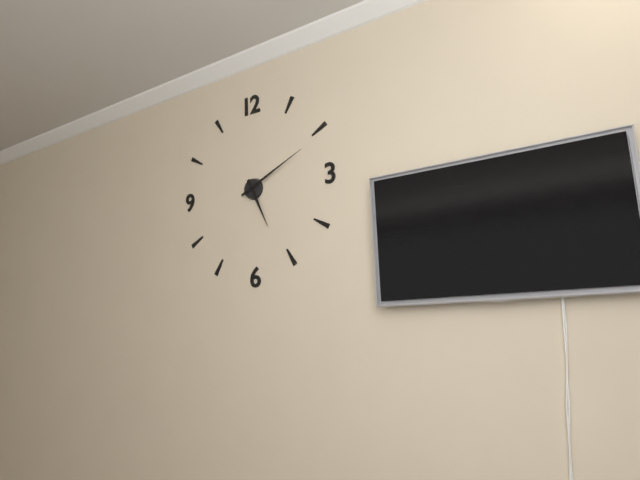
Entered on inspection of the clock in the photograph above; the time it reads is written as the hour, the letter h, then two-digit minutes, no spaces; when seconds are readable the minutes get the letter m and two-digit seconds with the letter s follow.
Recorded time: 5h11
